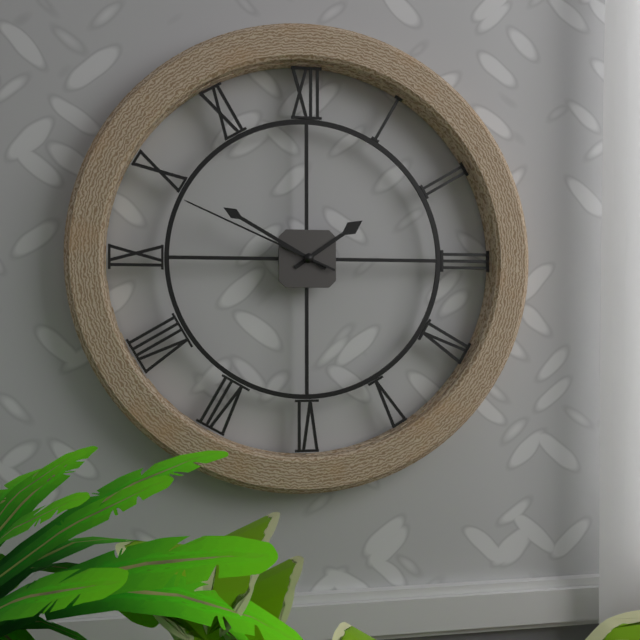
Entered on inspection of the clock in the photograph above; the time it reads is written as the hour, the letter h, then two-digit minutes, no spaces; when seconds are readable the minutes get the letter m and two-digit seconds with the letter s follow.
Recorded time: 1h50m49s
